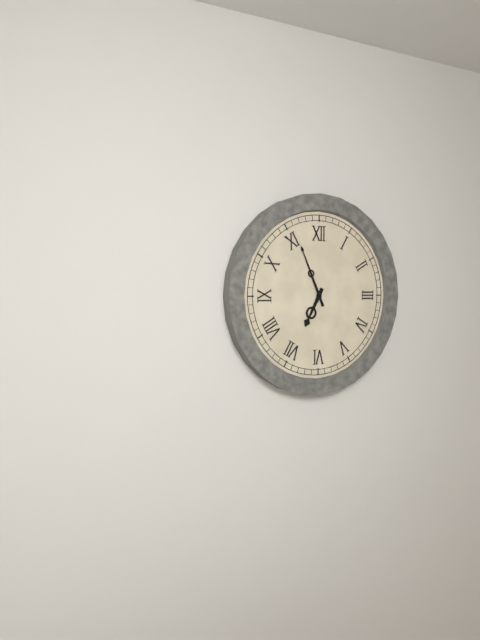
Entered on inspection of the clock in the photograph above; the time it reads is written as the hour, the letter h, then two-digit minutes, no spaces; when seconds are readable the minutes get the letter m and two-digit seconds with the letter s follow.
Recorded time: 6h56
